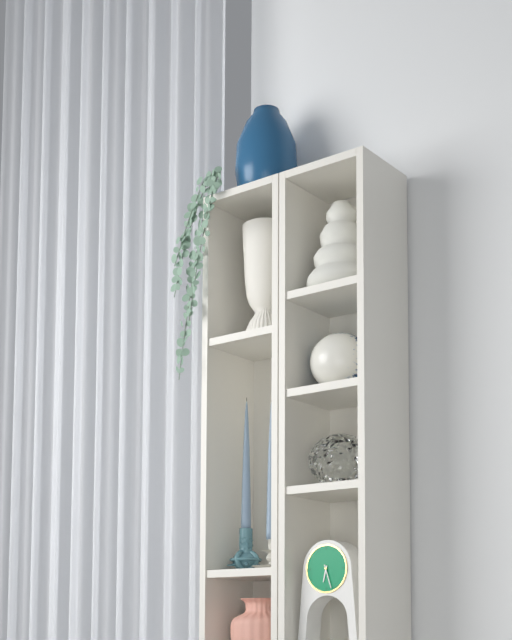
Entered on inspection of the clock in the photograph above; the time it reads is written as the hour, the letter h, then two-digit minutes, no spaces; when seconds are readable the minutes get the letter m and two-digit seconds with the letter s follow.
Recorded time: 6h27
